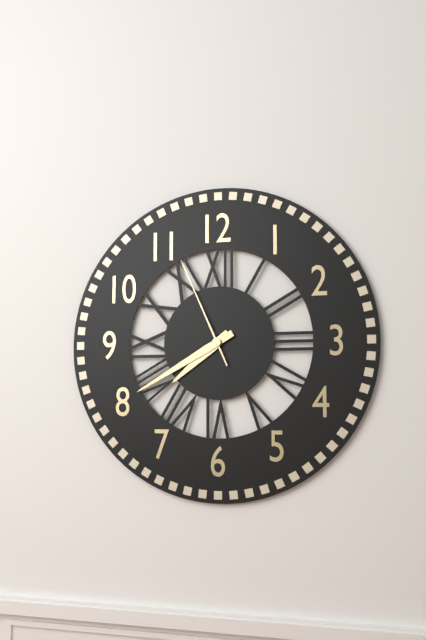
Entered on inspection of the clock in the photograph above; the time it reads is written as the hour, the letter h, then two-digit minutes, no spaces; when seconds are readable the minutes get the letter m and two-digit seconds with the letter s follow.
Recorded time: 7h40m56s
